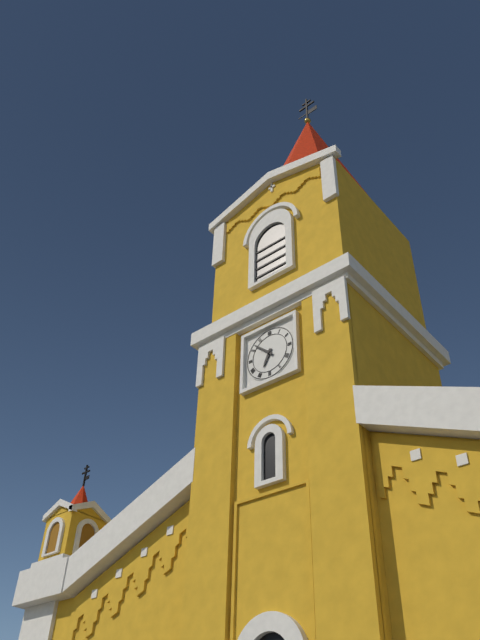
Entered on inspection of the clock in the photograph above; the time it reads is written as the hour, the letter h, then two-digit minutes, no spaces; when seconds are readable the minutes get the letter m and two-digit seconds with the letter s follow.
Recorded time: 6h52
